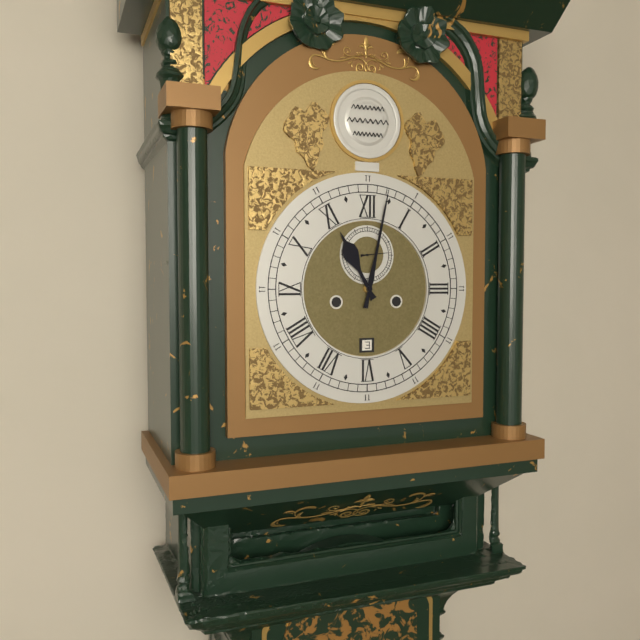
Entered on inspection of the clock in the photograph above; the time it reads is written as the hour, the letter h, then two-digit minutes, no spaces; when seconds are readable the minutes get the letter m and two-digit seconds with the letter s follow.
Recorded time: 11h02
